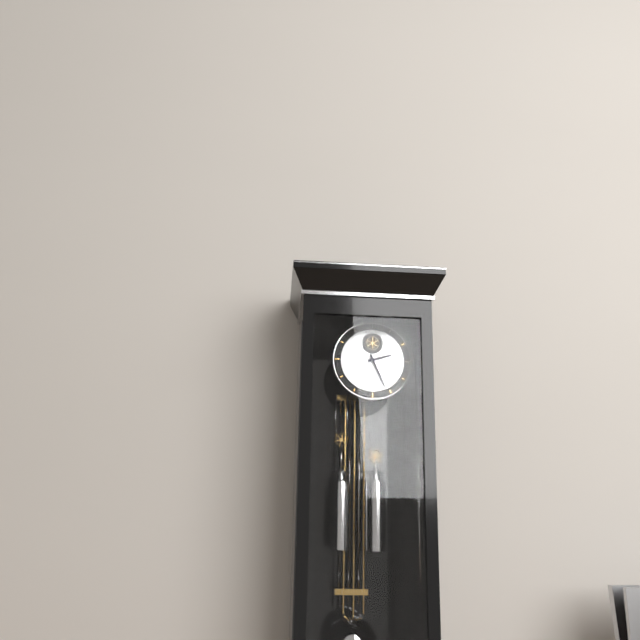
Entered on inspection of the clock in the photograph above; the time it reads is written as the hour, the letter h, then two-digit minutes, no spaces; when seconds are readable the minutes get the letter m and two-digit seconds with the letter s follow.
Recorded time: 2h26
